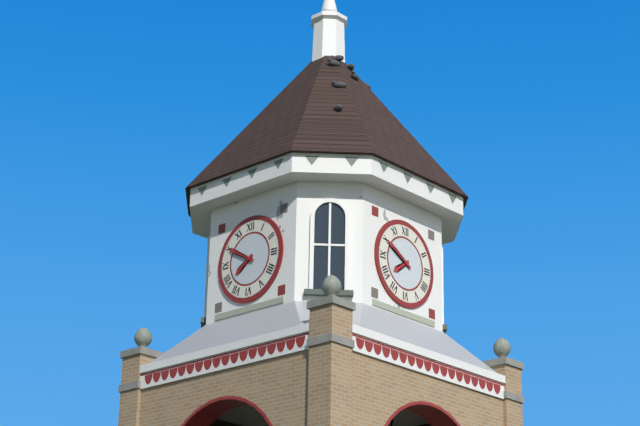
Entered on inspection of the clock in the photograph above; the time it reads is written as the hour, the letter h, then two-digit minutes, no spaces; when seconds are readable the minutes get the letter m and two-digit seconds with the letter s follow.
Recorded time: 7h50
